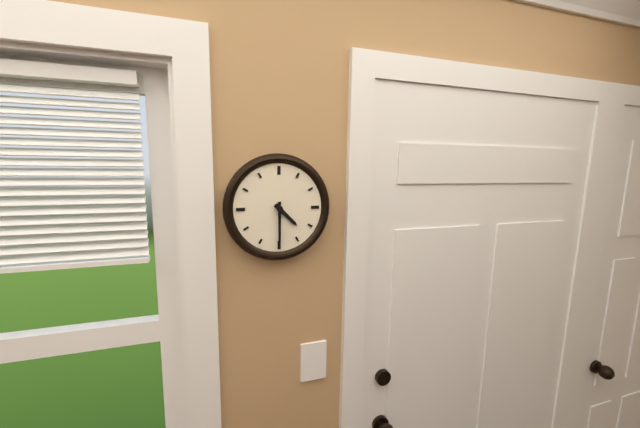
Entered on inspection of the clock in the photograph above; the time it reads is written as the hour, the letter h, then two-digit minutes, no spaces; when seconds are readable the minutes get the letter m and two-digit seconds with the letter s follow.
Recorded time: 4h30
